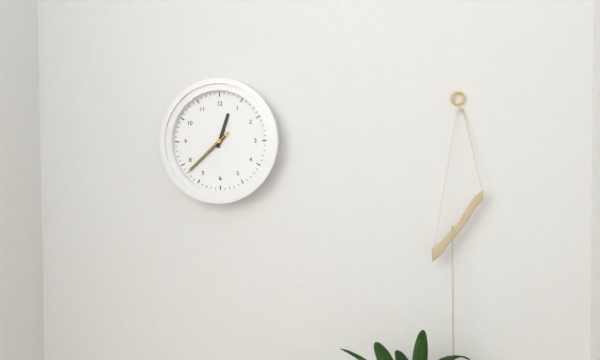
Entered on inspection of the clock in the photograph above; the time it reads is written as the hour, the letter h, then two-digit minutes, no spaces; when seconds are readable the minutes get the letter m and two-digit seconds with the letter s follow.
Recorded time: 12h38m38s
